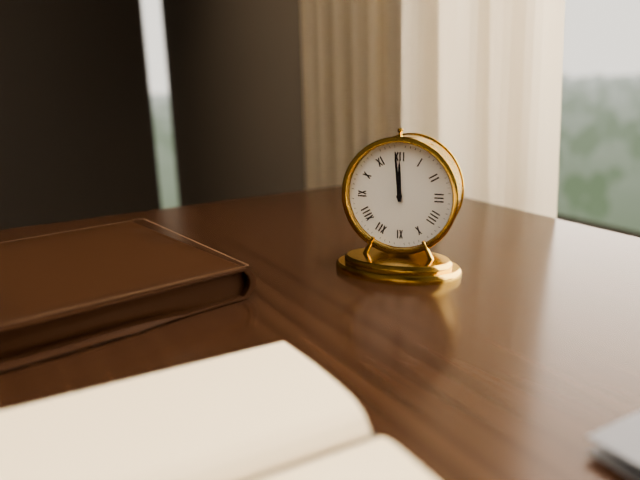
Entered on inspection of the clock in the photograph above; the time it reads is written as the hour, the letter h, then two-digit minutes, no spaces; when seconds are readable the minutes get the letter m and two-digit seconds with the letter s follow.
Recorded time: 11h59
